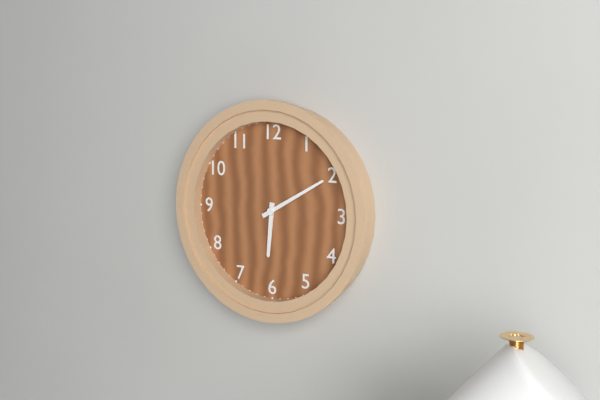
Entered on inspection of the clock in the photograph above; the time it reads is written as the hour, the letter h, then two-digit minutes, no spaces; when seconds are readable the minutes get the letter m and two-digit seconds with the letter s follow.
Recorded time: 6h10
